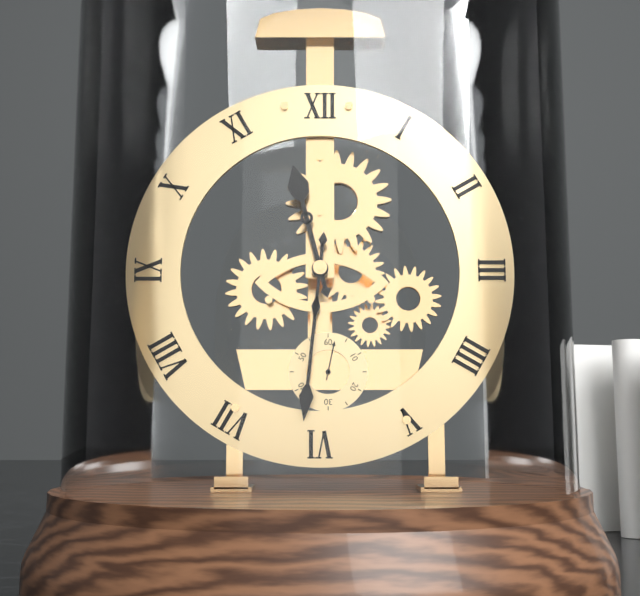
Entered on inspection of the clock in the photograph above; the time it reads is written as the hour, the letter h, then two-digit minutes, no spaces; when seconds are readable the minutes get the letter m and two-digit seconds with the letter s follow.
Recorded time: 11h31
